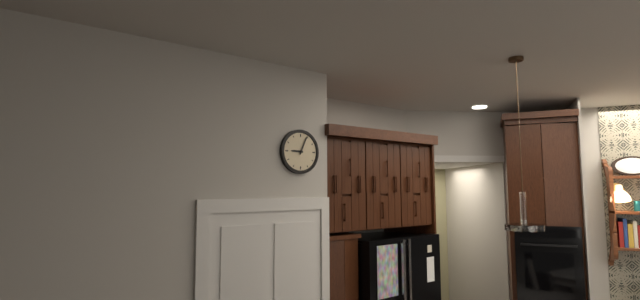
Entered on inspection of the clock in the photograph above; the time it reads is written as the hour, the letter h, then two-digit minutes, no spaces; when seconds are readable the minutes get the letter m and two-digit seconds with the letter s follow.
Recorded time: 9h04
